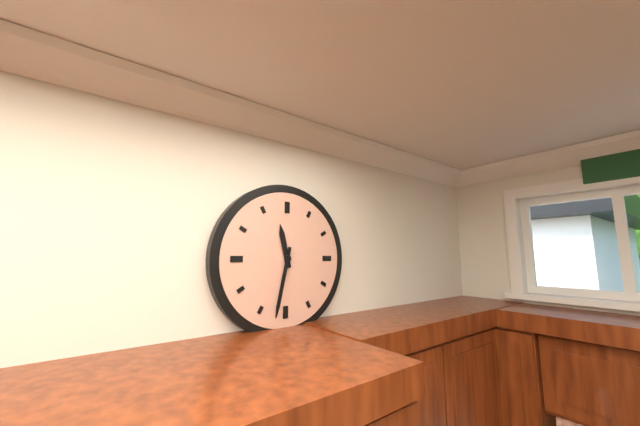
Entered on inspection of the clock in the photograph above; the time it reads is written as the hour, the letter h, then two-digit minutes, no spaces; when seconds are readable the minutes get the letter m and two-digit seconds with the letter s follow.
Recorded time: 11h32
